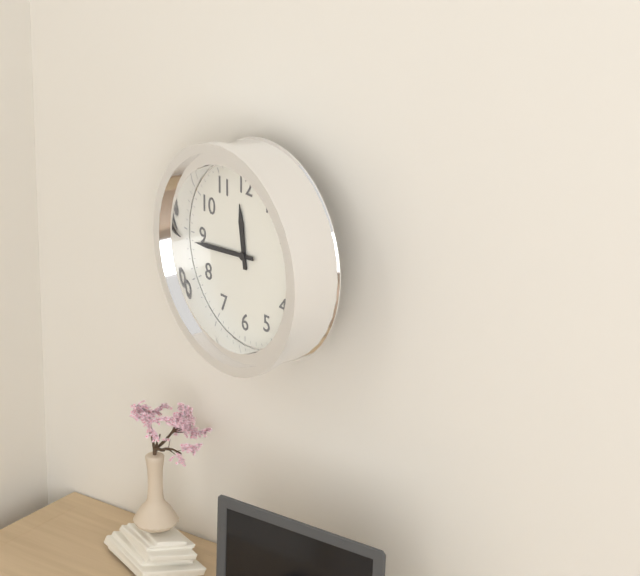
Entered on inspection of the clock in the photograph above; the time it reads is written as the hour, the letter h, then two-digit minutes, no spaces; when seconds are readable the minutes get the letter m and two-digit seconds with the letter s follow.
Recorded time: 11h44
